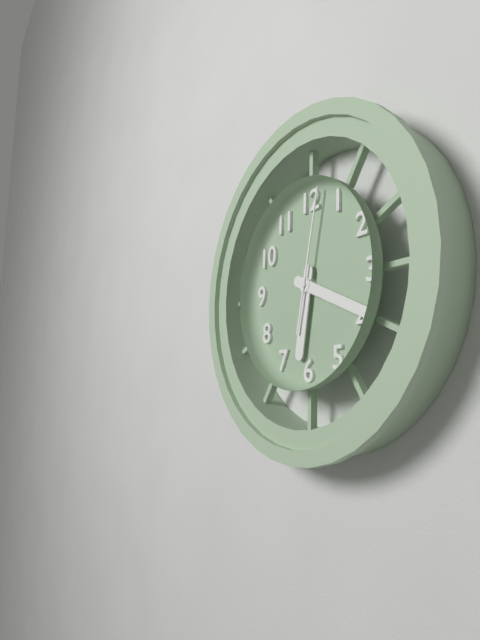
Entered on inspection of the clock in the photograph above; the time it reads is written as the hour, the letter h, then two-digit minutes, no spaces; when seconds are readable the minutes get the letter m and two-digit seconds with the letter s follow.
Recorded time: 6h19m02s
